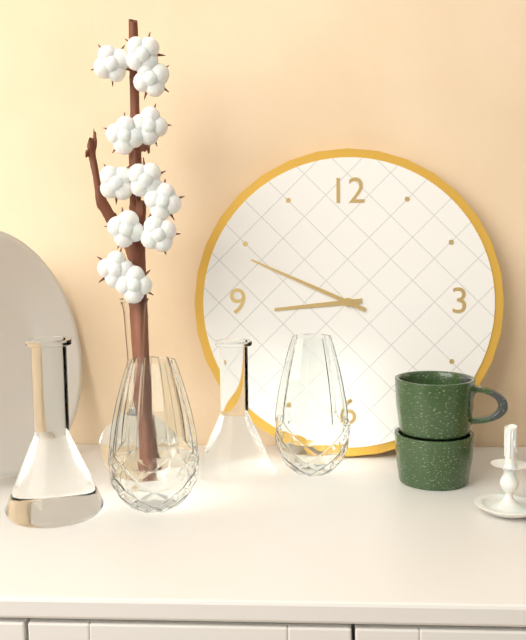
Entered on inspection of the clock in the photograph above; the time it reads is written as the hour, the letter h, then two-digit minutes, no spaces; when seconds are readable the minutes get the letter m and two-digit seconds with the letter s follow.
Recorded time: 8h49
